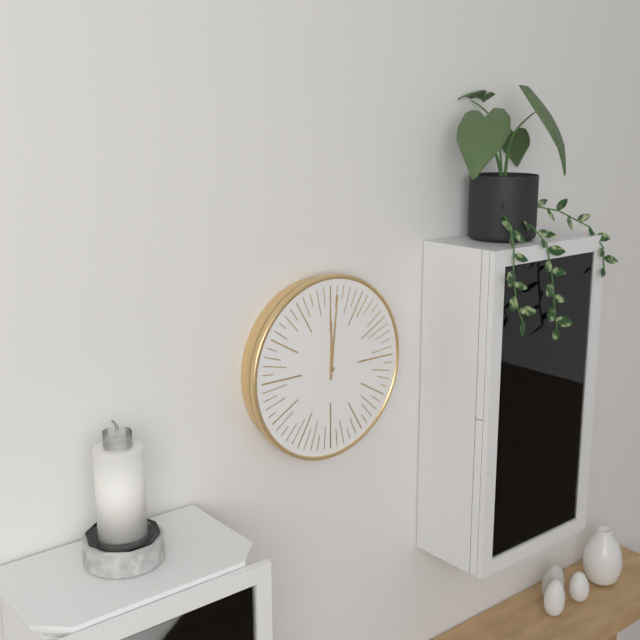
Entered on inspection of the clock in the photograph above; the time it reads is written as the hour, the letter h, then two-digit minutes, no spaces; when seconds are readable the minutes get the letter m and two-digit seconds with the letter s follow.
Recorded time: 12h01
